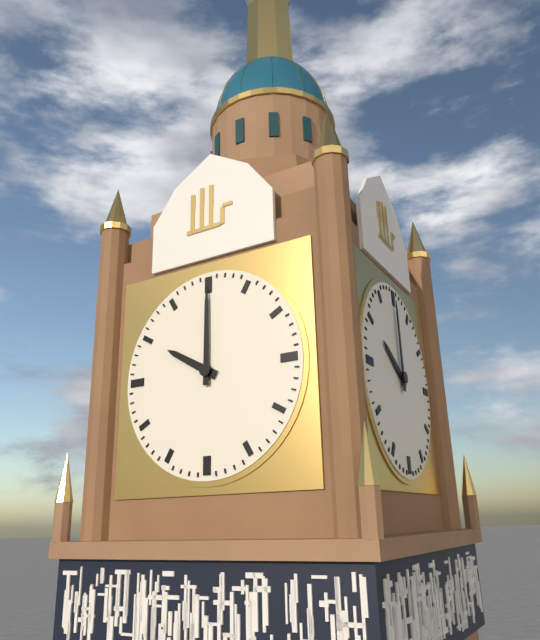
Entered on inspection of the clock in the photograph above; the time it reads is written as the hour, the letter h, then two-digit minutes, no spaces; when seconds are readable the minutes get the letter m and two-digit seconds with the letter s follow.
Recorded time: 10h00
